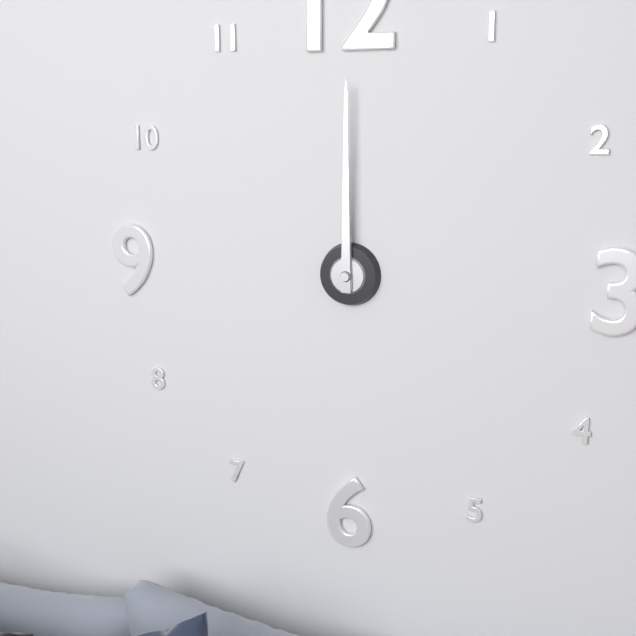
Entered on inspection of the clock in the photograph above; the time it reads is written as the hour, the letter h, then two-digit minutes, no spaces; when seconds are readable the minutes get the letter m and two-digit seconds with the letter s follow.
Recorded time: 12h00
